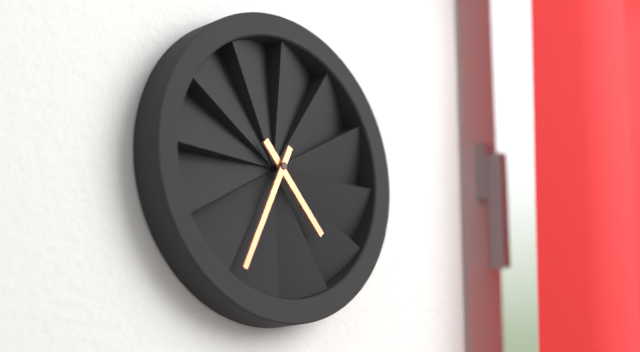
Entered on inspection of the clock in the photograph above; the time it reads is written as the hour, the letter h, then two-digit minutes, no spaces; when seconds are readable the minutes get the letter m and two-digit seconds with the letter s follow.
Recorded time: 4h34
